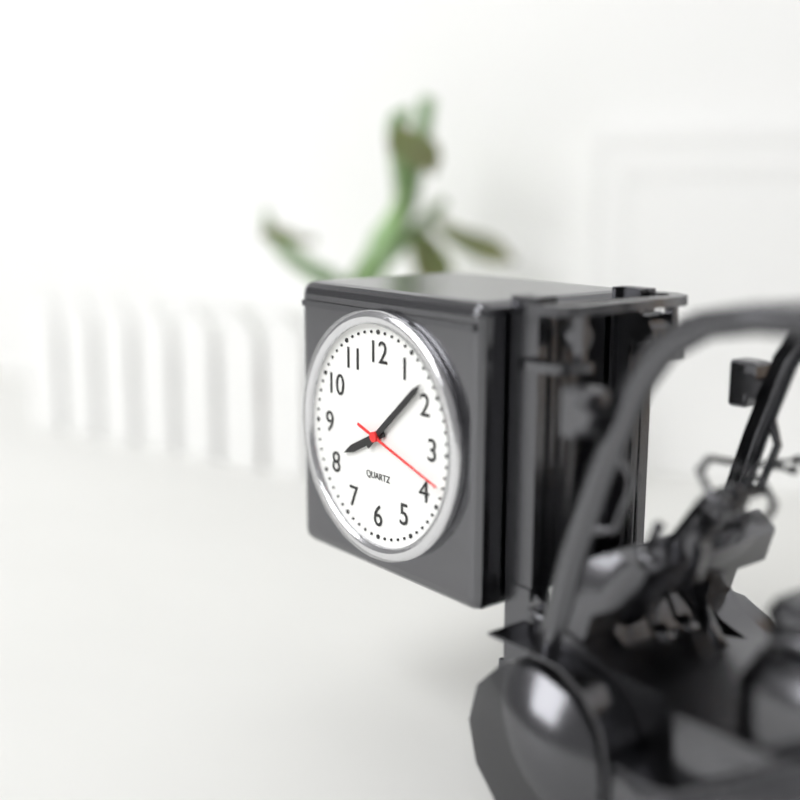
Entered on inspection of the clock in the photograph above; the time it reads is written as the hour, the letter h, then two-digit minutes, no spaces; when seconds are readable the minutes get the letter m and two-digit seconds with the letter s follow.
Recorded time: 8h08m18s
